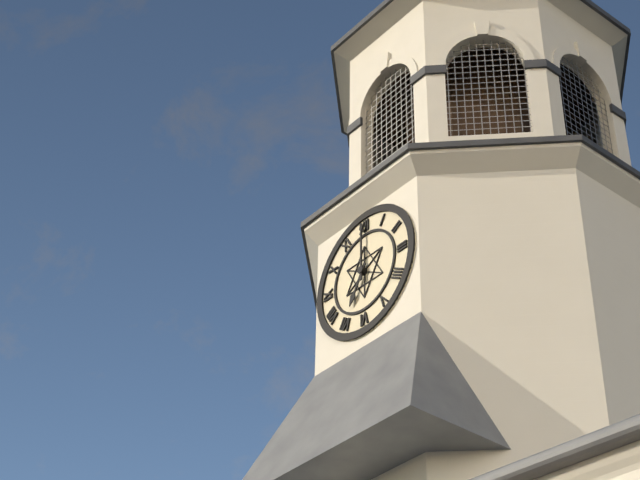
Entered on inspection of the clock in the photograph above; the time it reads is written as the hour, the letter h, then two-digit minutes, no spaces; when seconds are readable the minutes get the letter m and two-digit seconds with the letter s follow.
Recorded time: 7h00
